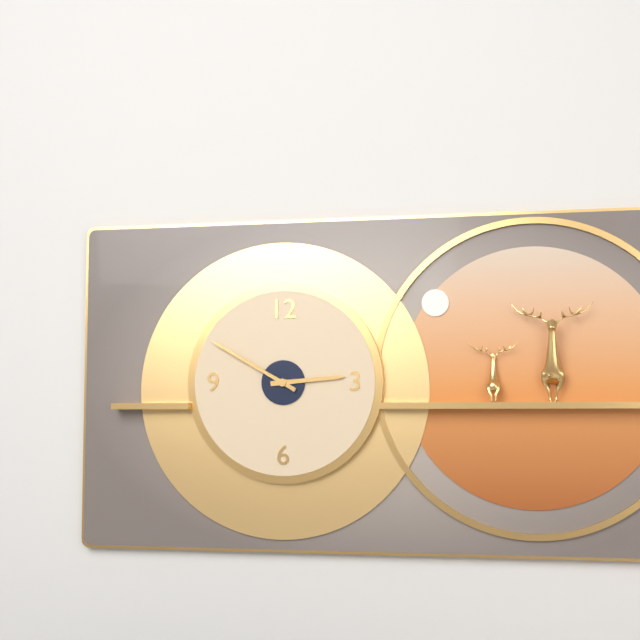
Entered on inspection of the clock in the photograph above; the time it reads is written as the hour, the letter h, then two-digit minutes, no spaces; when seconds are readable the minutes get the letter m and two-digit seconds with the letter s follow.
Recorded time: 2h50
